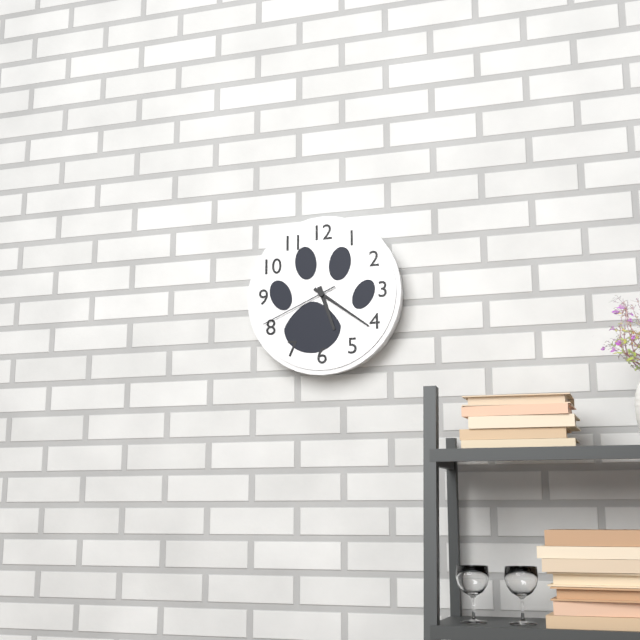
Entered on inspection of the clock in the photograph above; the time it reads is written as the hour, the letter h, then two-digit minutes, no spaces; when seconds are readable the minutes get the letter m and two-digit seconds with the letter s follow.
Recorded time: 5h21m41s
